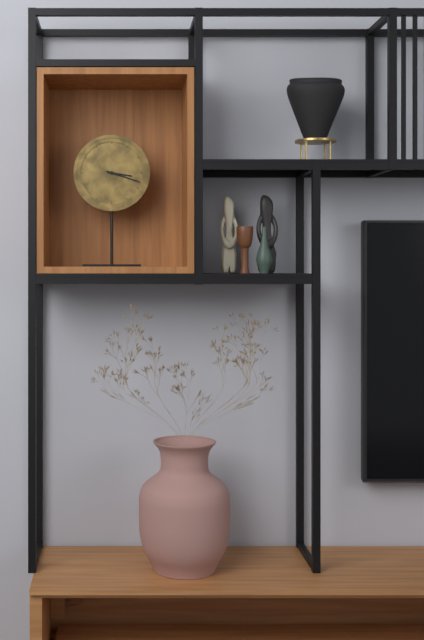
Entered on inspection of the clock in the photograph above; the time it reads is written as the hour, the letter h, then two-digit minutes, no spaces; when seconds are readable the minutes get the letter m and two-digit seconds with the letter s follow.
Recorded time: 3h18
